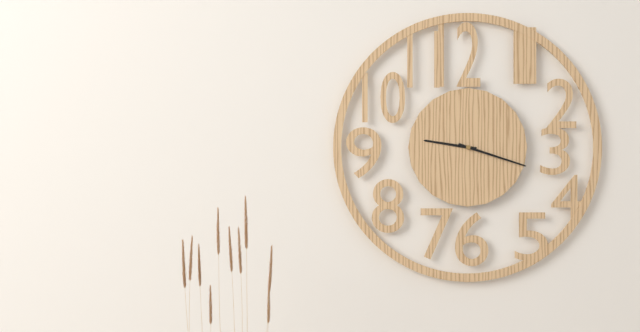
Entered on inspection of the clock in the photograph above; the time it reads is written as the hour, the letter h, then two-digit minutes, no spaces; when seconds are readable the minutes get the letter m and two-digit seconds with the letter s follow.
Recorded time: 9h18
